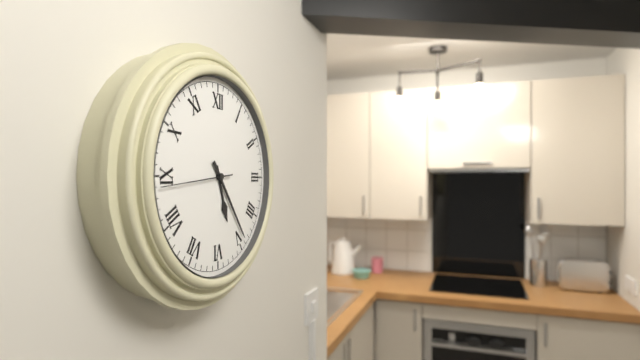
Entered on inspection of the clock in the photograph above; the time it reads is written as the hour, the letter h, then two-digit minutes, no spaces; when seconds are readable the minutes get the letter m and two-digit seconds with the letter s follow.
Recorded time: 5h24m44s
